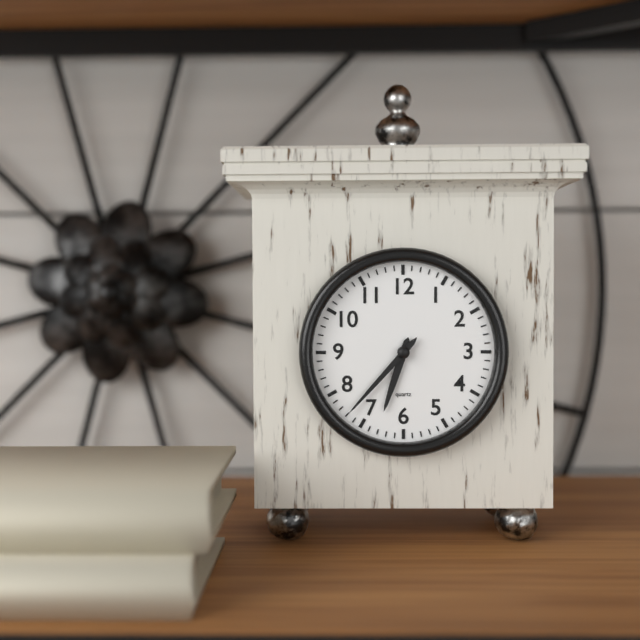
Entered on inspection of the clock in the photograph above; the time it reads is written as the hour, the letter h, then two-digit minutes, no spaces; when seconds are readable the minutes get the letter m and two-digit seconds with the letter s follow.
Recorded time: 6h37
